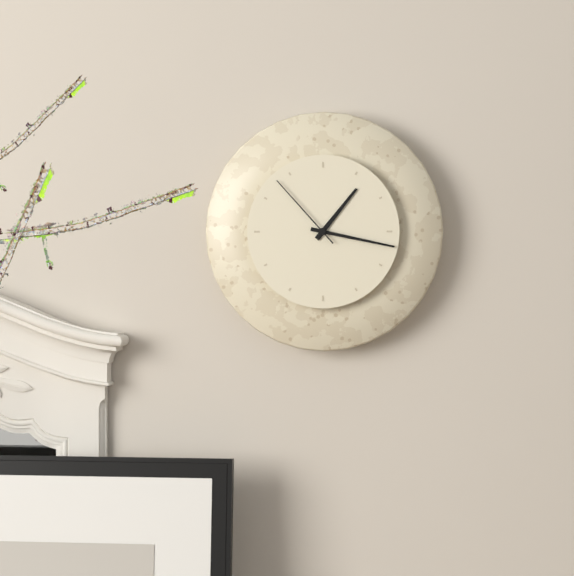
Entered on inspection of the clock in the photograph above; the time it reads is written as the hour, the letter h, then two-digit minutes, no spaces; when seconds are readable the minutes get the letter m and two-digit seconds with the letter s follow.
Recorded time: 1h17m53s
